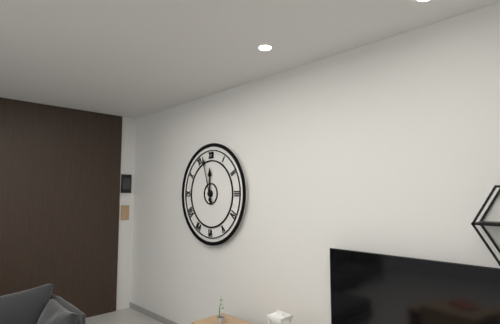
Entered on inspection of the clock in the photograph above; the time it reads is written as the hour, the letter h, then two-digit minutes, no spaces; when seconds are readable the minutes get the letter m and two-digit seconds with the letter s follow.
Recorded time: 11h57
